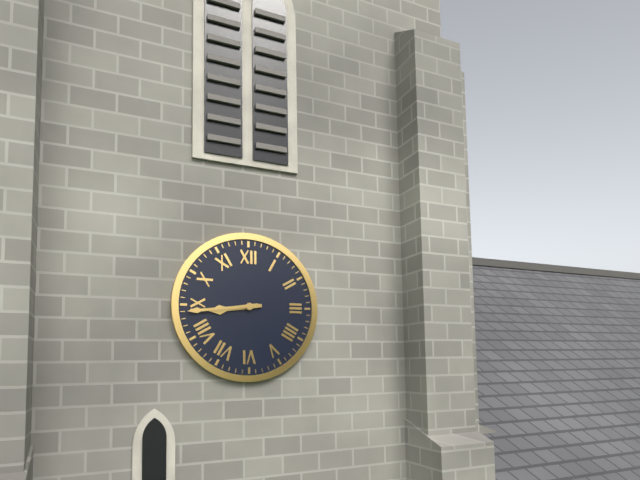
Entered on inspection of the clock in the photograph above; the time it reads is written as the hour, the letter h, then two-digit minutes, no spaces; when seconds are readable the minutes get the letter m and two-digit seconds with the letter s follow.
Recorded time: 8h44
